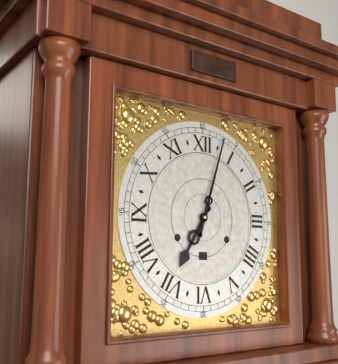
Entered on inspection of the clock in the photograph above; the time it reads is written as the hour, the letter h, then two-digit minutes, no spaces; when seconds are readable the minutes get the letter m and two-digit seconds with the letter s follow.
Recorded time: 7h03
